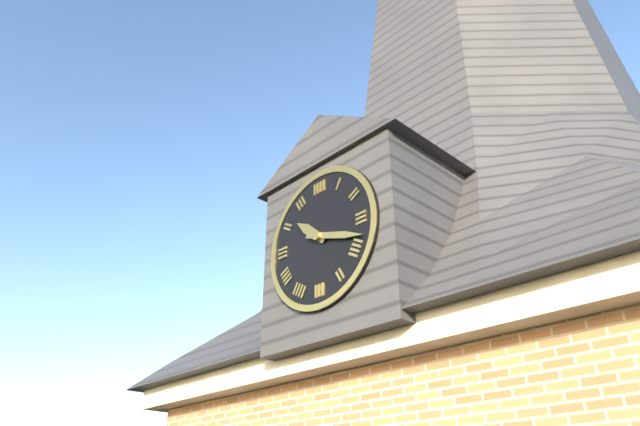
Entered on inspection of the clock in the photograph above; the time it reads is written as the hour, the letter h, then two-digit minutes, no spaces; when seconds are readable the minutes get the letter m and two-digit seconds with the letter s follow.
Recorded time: 10h18
